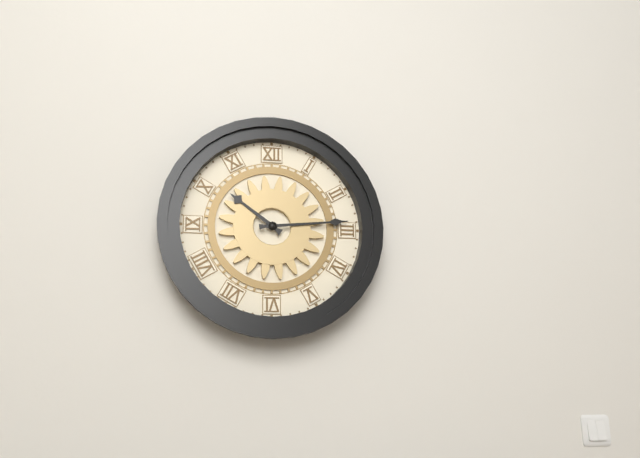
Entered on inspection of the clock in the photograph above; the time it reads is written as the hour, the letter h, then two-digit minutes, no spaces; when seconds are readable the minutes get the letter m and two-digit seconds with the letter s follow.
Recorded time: 10h14
